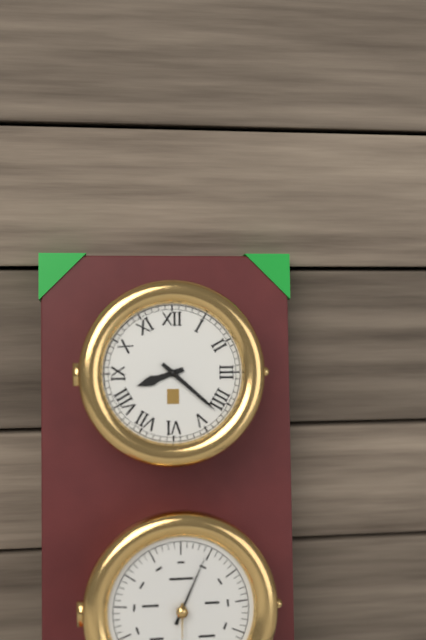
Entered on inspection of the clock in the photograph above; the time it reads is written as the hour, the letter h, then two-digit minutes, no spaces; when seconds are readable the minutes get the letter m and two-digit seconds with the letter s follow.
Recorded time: 8h22
